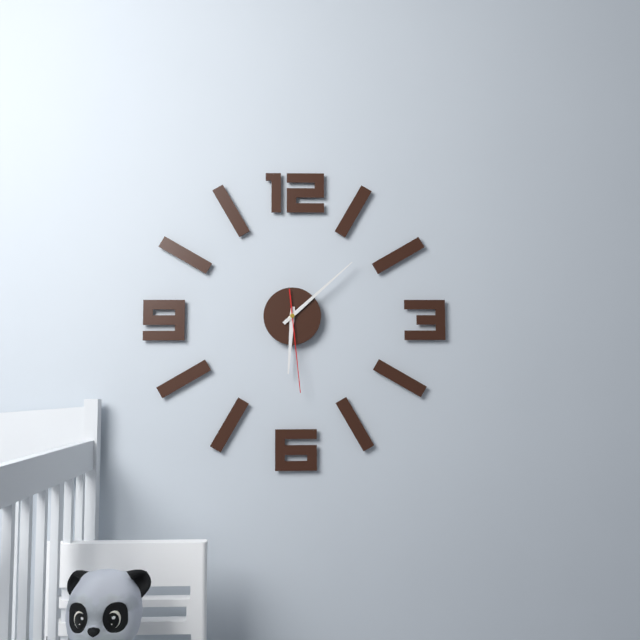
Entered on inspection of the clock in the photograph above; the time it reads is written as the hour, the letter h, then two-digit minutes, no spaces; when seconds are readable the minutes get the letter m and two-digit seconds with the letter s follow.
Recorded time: 6h08m29s
